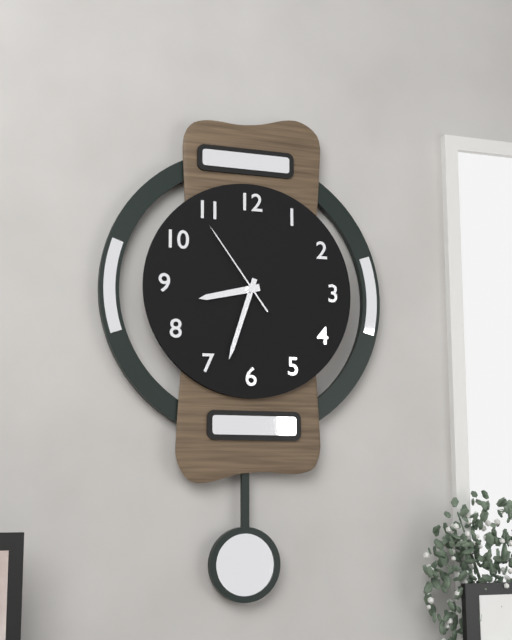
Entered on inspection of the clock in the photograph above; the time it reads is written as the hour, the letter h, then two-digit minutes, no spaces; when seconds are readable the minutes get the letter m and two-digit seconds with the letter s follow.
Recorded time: 8h33m54s
